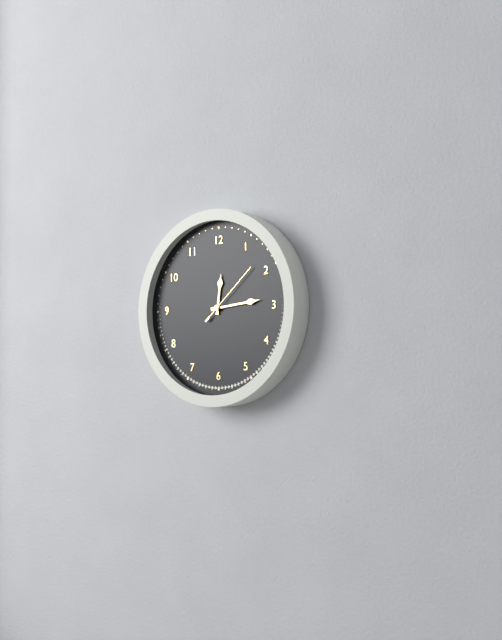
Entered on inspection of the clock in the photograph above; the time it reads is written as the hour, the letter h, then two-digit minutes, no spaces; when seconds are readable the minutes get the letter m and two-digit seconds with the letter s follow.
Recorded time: 12h14m08s
